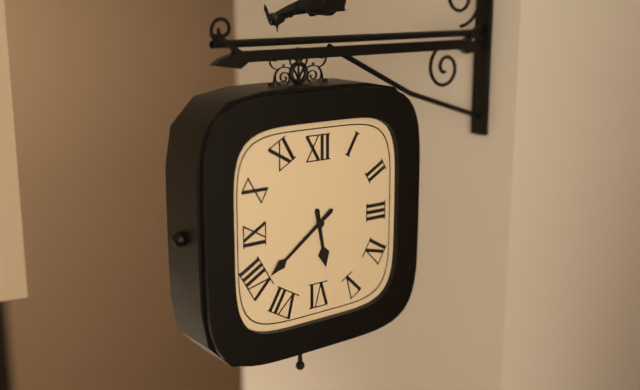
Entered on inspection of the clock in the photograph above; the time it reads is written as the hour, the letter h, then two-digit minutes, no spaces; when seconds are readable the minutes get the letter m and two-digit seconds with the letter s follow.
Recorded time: 5h39
